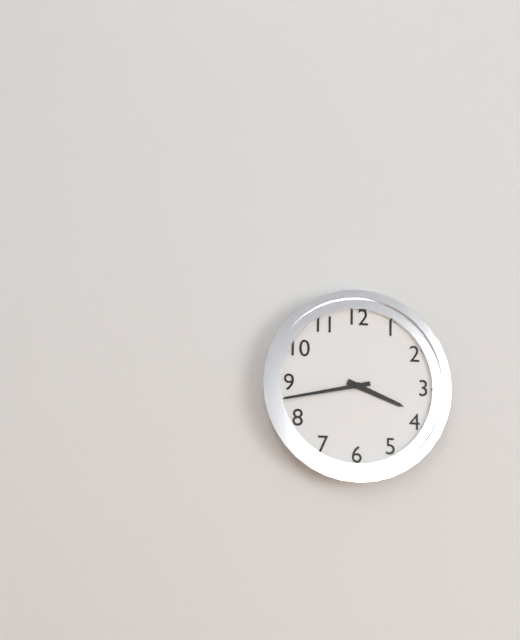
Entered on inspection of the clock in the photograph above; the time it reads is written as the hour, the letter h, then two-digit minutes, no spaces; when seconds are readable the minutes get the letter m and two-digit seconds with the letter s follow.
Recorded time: 3h43
